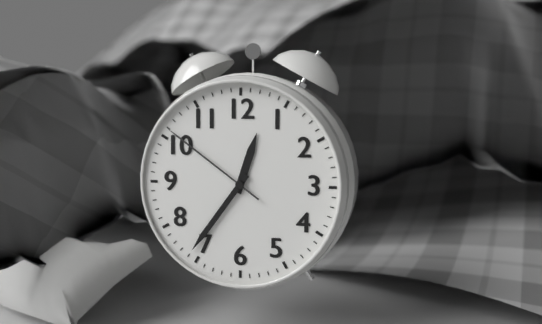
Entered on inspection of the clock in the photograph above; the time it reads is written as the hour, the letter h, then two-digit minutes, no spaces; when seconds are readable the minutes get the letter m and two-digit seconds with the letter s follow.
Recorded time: 12h36m51s
